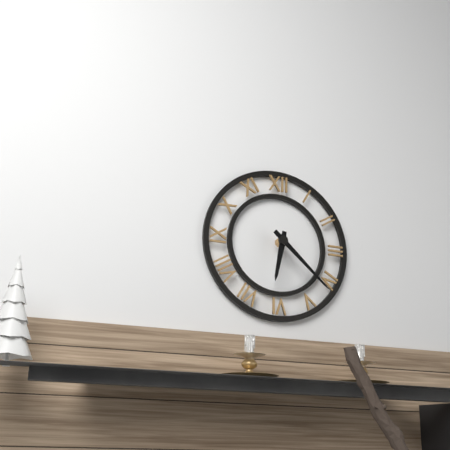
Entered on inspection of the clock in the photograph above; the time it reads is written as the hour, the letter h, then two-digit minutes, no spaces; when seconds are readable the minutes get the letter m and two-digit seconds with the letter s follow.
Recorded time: 6h22
